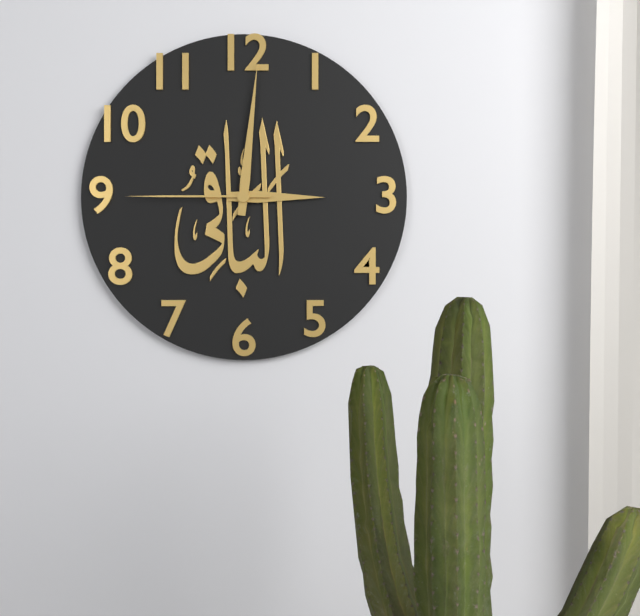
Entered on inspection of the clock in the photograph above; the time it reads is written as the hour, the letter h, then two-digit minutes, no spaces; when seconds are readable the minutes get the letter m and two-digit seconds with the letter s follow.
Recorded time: 3h01m45s
